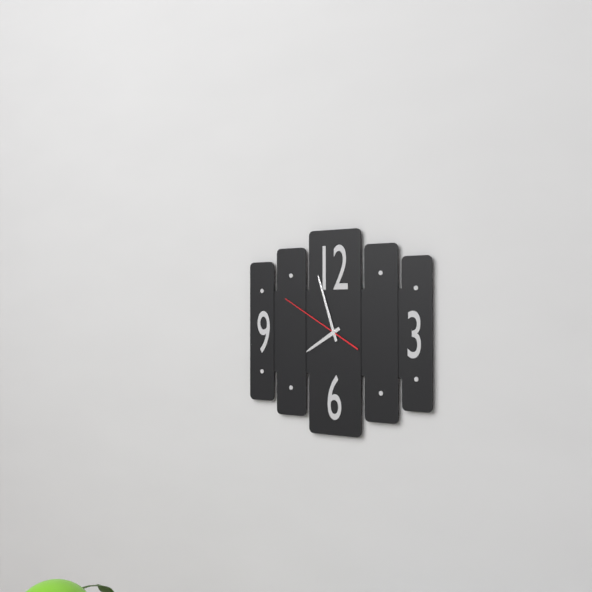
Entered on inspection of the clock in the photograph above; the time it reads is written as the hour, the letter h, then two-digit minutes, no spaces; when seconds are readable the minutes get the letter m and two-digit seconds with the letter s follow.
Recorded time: 7h57m50s
